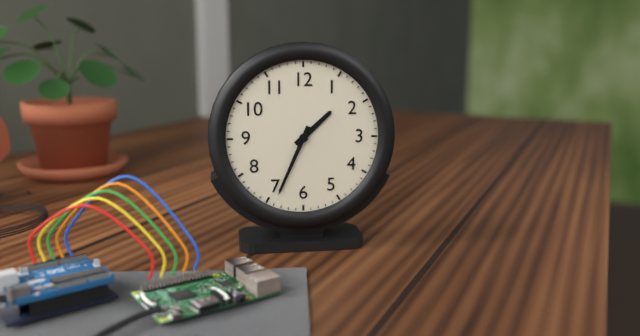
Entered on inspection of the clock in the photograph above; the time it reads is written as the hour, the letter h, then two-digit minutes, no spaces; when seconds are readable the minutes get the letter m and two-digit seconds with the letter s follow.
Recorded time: 1h34
